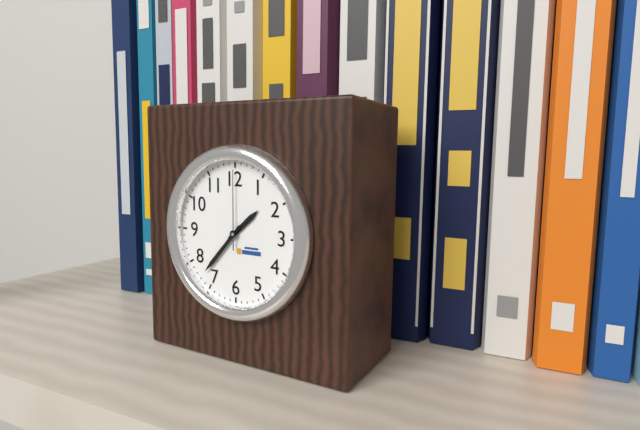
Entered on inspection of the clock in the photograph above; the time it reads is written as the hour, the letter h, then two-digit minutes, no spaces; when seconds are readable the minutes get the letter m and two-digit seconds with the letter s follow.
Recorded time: 1h37m00s
